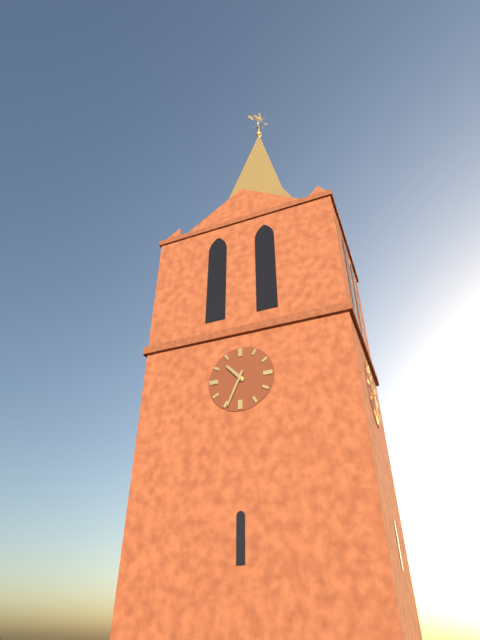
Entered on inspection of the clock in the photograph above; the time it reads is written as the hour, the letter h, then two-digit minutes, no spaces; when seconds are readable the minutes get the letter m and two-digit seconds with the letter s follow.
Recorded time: 10h34
